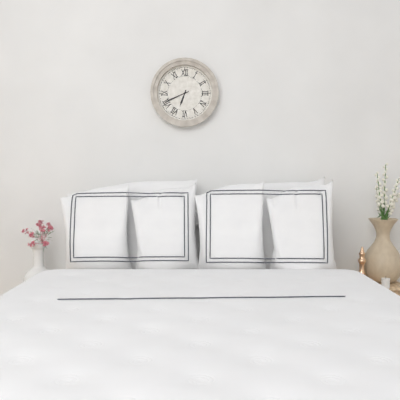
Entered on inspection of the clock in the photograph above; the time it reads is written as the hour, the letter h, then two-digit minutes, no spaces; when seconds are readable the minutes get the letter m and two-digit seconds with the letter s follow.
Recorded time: 6h41
